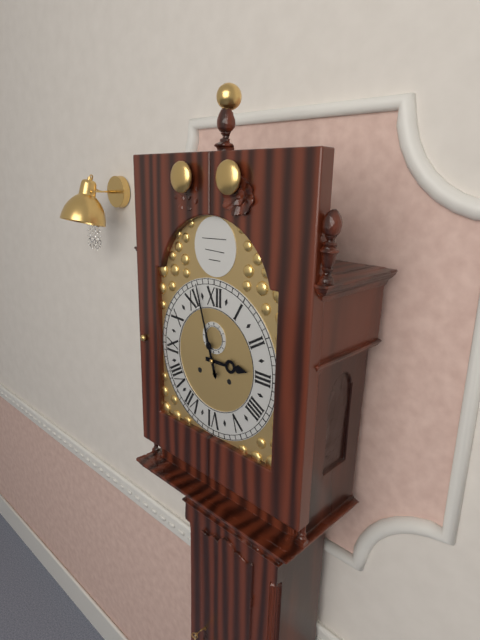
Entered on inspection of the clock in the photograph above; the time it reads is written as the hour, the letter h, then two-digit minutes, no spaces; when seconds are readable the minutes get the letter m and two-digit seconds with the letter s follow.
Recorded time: 2h57
